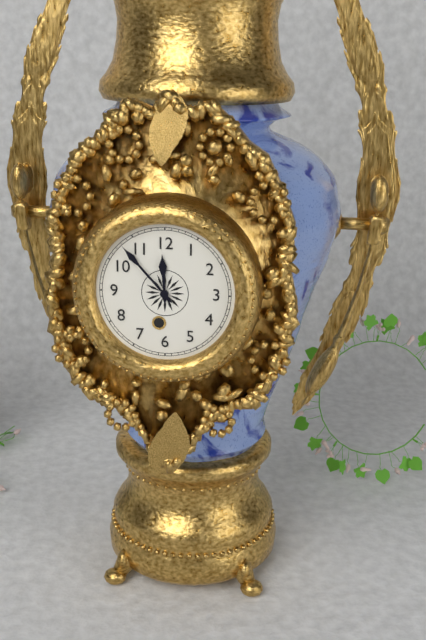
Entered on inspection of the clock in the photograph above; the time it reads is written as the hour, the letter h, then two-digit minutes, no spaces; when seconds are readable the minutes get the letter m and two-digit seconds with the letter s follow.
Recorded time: 11h53
